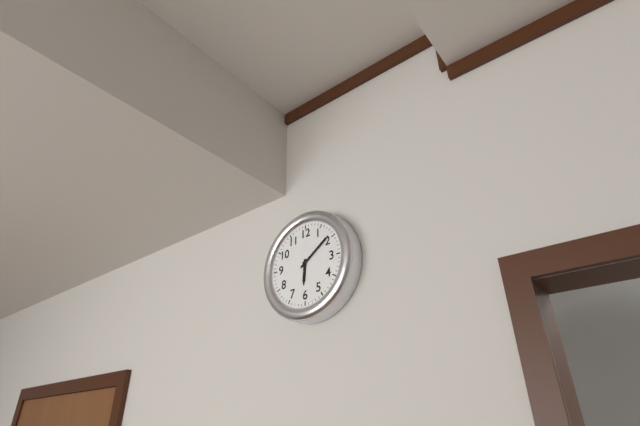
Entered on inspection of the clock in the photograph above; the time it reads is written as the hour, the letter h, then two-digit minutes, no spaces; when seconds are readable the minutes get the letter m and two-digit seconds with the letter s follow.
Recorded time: 6h09
